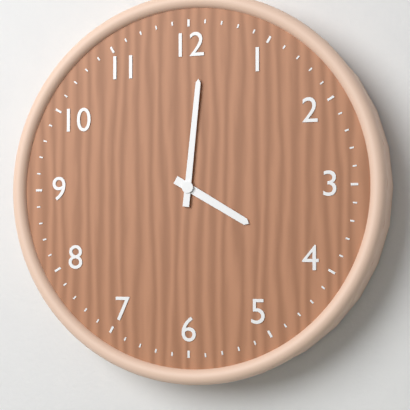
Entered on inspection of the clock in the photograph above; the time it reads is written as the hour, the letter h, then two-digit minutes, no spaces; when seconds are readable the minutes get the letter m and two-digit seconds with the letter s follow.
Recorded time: 4h01
